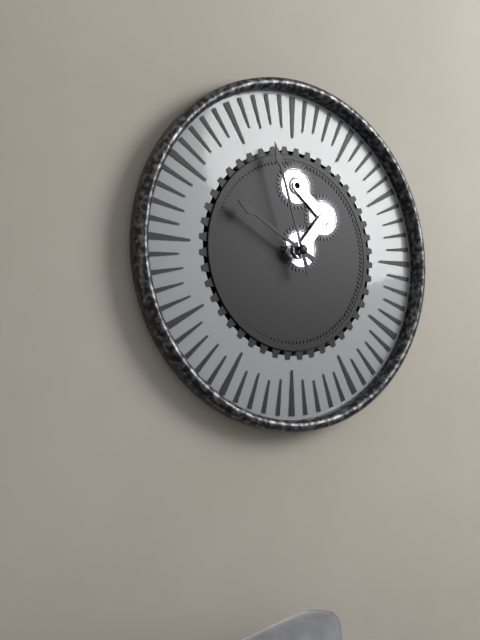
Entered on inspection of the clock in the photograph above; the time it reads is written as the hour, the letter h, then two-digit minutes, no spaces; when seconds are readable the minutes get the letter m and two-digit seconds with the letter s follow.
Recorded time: 9h57
